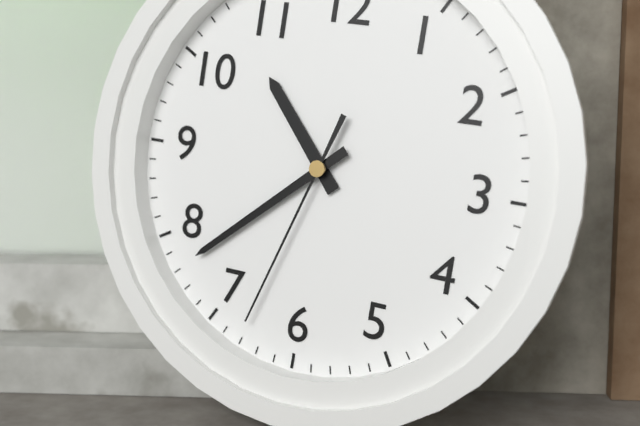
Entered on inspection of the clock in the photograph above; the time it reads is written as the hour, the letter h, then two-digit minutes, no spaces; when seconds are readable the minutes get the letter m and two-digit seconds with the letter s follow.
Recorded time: 10h38m33s
